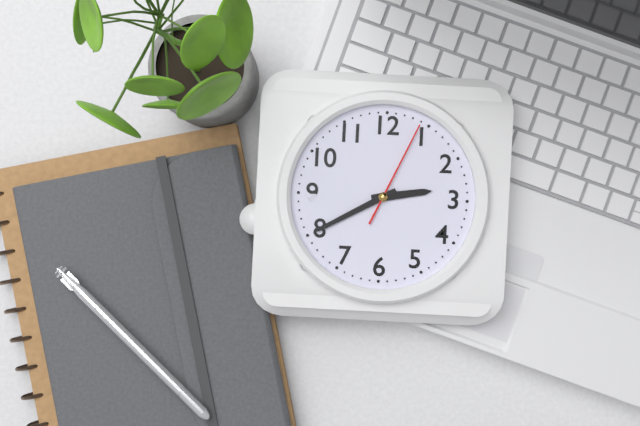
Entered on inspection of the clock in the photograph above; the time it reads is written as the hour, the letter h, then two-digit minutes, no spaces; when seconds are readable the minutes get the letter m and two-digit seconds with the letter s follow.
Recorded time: 2h40m04s
